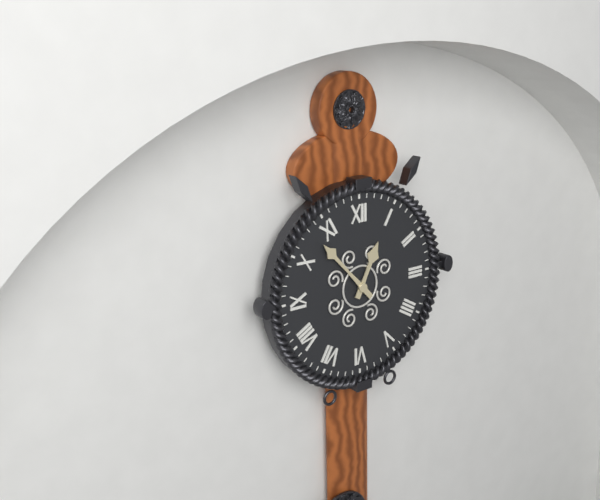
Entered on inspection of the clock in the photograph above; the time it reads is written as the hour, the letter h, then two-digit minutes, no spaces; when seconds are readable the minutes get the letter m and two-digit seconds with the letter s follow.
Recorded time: 12h53
